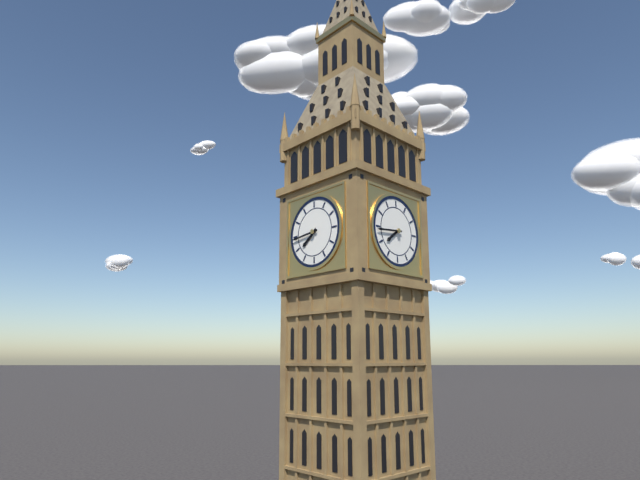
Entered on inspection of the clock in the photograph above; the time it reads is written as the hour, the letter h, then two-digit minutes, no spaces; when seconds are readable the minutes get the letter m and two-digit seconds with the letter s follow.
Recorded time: 7h44
